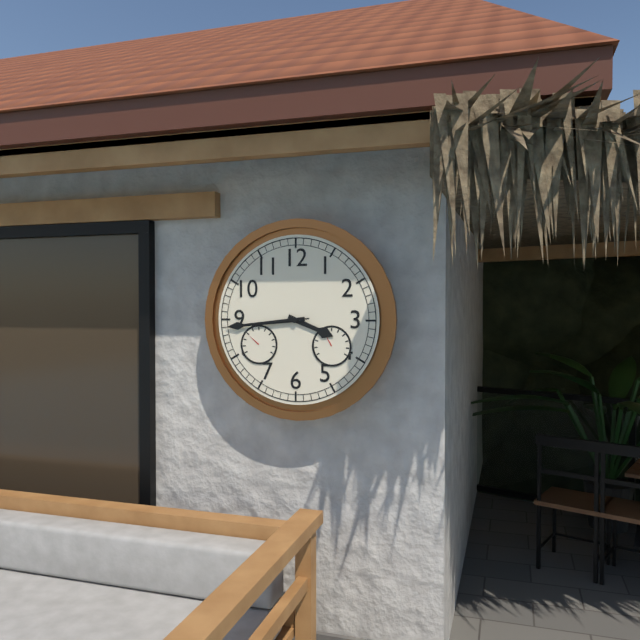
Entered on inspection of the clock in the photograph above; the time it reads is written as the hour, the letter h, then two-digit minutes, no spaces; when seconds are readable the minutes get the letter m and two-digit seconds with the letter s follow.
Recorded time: 3h44m44s
